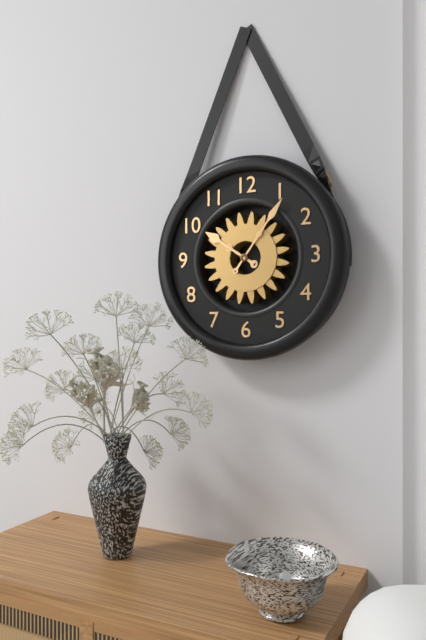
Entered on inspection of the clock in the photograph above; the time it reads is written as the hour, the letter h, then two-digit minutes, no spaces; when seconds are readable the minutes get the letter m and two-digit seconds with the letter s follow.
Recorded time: 10h06
